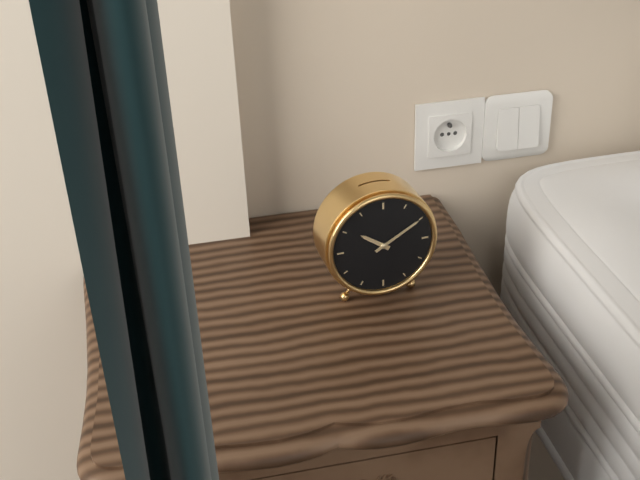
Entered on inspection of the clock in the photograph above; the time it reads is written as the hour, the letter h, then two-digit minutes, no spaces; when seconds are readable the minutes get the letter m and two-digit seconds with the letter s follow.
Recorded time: 10h10
